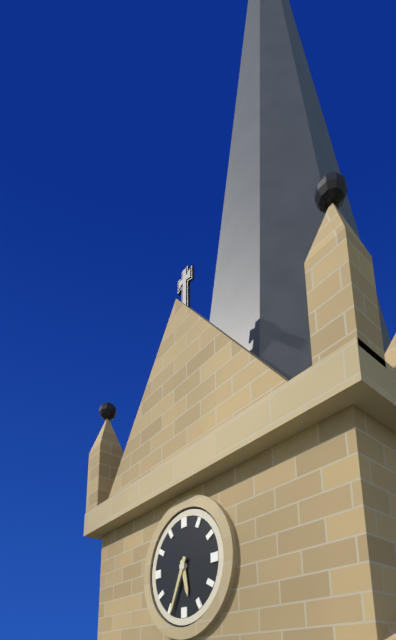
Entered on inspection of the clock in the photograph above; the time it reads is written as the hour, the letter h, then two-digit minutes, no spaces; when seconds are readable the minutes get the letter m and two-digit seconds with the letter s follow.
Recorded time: 5h34
